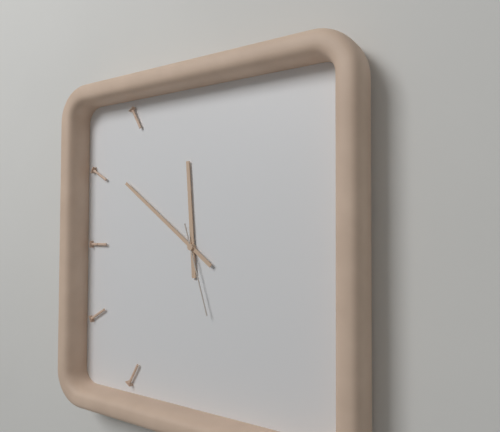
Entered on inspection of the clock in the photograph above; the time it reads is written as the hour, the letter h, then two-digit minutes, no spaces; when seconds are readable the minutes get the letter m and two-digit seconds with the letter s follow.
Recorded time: 11h51m27s
